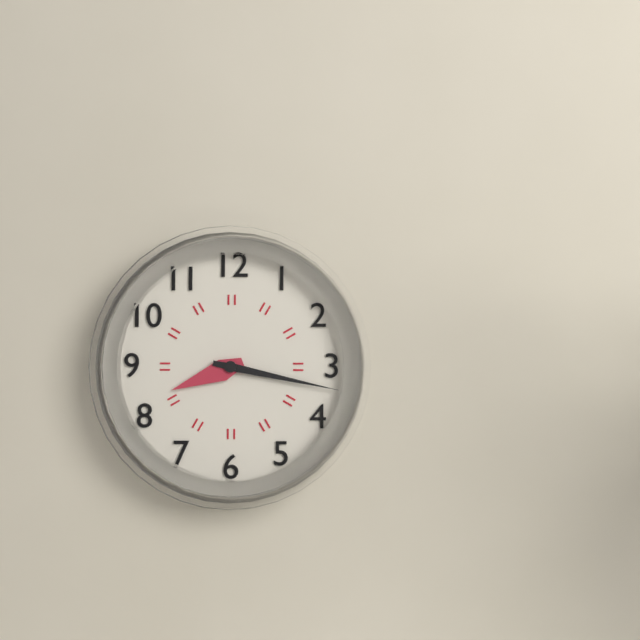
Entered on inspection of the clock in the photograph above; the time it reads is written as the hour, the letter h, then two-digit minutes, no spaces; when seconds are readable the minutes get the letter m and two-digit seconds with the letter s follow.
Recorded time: 8h17
